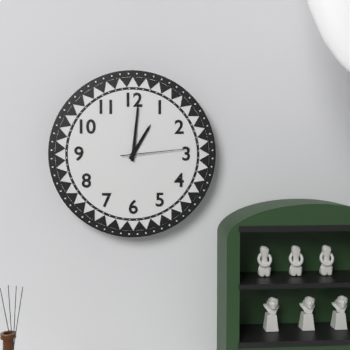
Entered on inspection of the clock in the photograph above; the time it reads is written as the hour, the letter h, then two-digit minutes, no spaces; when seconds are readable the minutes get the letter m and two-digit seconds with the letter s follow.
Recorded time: 1h01m14s
